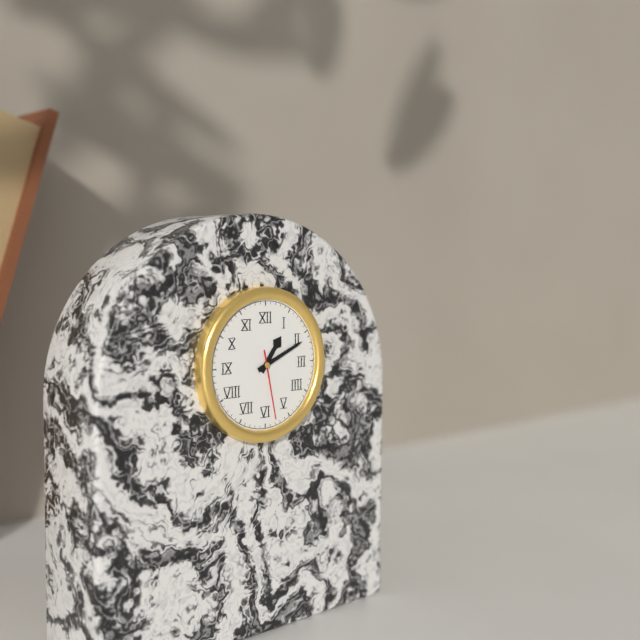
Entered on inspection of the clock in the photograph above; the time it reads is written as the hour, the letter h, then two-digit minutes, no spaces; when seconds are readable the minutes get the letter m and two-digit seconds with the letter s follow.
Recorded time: 1h11m28s
